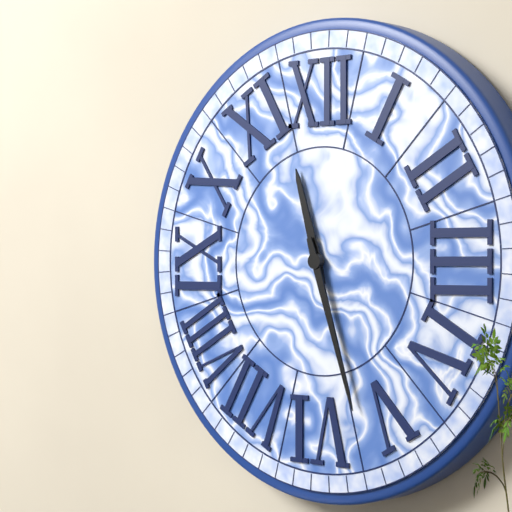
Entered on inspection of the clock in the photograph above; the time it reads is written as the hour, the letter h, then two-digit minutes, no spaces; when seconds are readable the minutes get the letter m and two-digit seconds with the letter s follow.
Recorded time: 11h27
